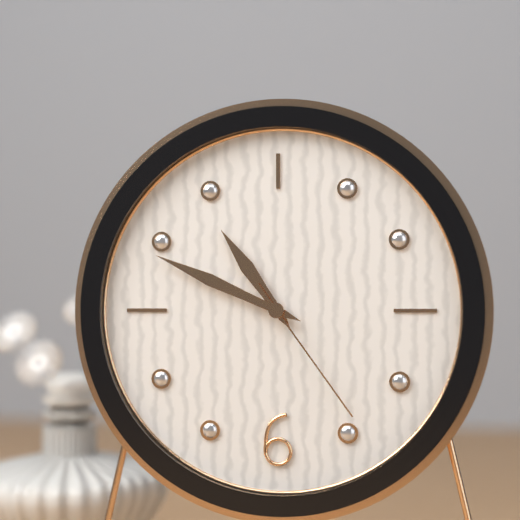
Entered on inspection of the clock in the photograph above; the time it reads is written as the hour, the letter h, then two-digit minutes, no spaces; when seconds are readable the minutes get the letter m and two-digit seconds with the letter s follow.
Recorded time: 10h49m24s
